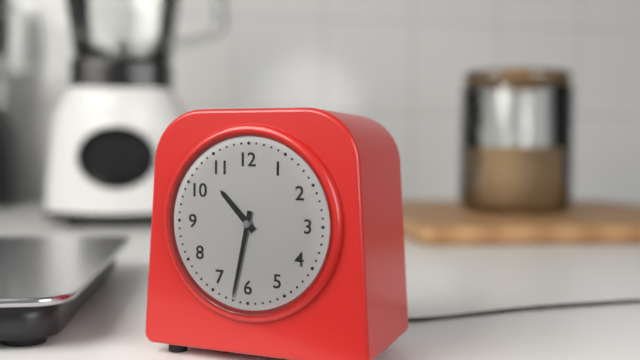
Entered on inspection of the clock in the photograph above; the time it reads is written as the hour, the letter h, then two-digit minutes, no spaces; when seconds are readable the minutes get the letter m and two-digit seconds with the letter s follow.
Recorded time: 10h32
